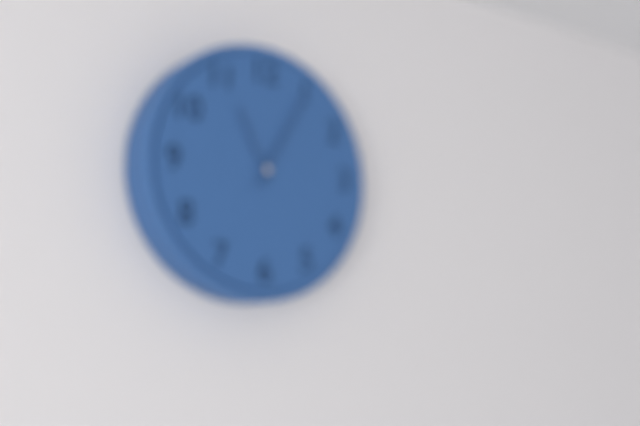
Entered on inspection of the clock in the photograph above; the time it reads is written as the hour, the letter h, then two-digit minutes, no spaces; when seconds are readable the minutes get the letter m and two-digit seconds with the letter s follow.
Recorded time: 11h05
